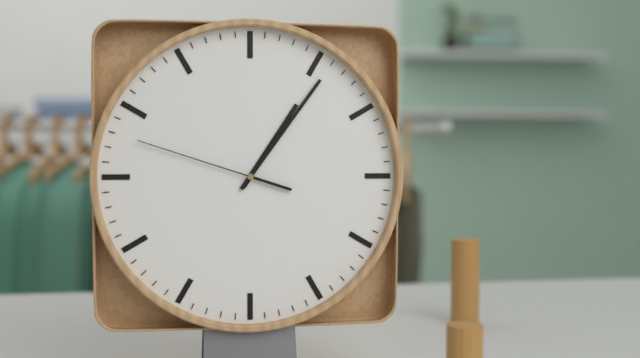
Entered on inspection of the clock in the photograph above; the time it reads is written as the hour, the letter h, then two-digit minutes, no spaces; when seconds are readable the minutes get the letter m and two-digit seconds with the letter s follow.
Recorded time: 1h06m48s
